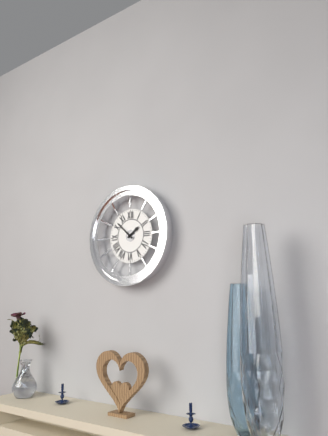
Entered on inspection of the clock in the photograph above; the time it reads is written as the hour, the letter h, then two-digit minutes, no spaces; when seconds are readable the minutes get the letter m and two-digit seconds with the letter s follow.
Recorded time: 1h52
